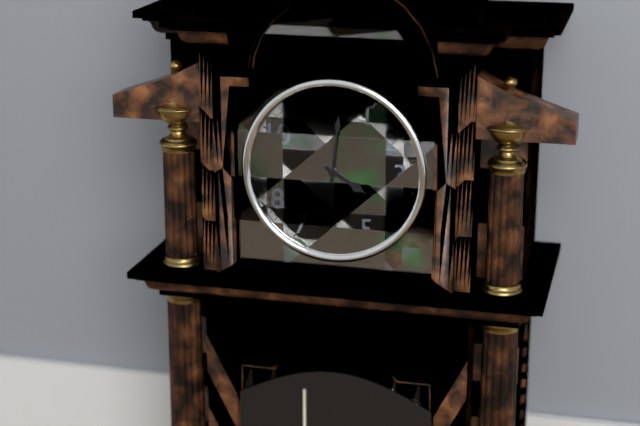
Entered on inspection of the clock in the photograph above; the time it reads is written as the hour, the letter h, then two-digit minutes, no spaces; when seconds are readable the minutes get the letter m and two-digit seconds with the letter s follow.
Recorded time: 4h01
